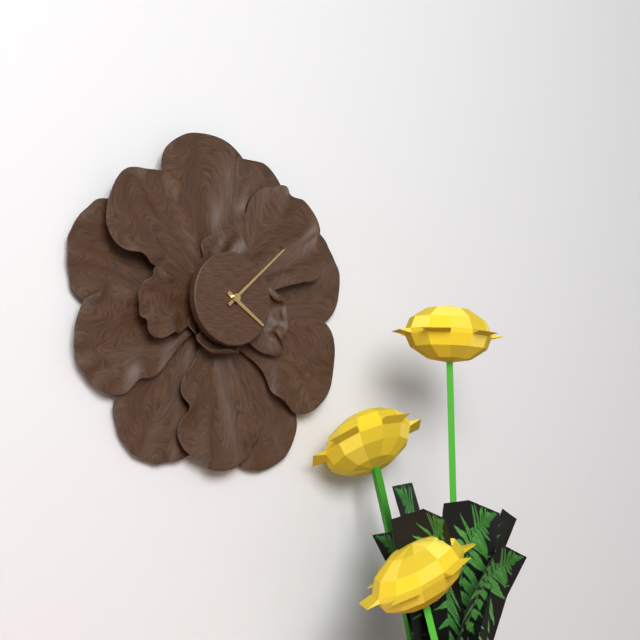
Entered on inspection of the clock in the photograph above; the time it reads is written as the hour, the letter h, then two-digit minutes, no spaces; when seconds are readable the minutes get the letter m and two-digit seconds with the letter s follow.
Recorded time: 4h08
